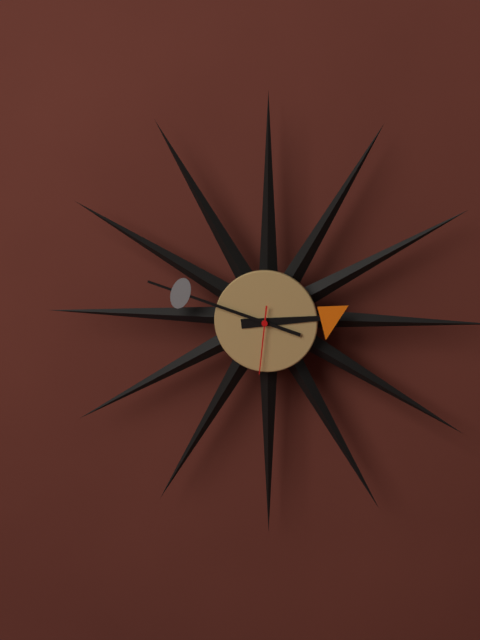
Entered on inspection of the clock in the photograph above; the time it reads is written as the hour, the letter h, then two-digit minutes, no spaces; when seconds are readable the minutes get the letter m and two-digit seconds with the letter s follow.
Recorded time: 2h48m31s
